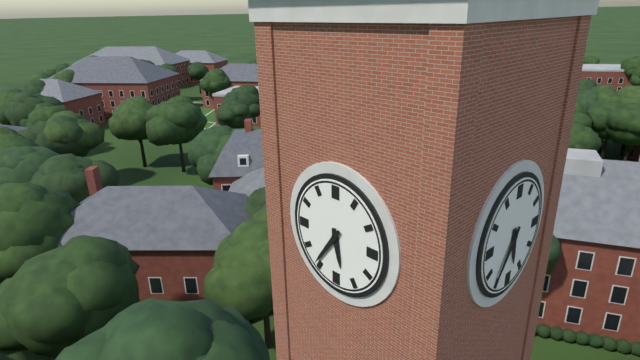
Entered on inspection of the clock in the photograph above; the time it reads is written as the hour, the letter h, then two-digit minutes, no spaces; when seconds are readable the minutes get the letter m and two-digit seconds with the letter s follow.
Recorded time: 5h36
